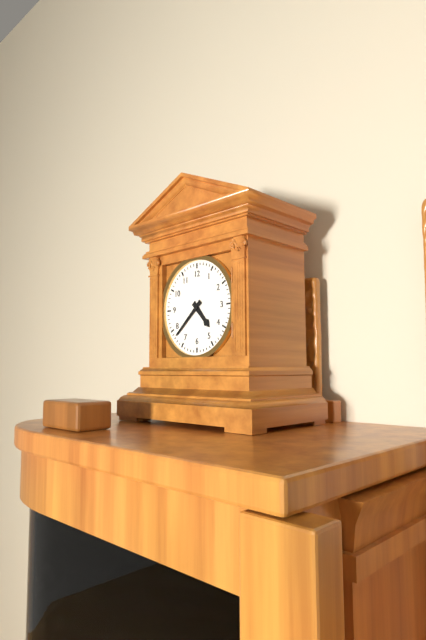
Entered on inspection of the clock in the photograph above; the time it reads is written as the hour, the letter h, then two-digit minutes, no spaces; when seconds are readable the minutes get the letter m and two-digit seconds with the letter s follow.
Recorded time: 4h38
